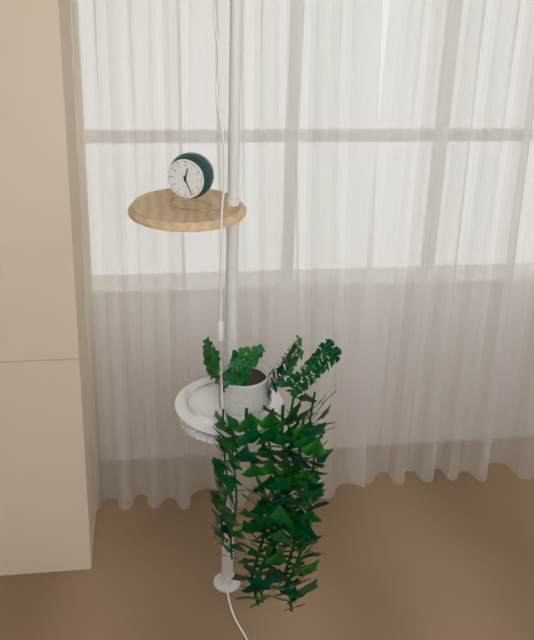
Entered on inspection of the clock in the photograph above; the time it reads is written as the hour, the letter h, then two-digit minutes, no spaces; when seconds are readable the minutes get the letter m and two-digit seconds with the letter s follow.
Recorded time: 12h26
